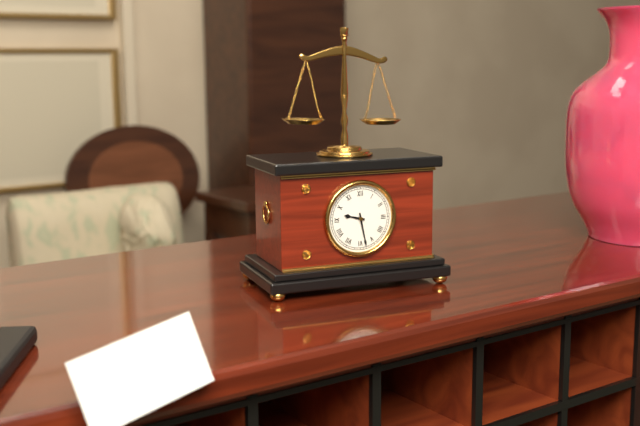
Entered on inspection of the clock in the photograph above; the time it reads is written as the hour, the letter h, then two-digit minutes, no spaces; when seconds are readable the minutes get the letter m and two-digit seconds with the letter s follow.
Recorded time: 9h28
